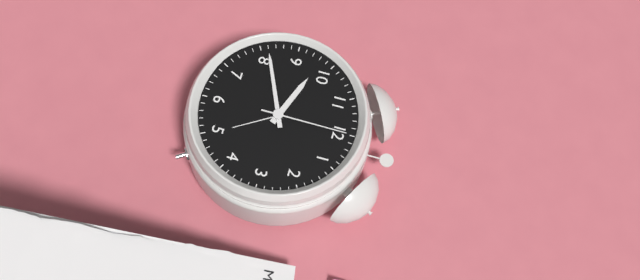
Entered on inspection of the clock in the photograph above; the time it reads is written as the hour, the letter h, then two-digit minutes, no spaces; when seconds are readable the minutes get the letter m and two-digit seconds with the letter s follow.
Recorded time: 9h41m00s
